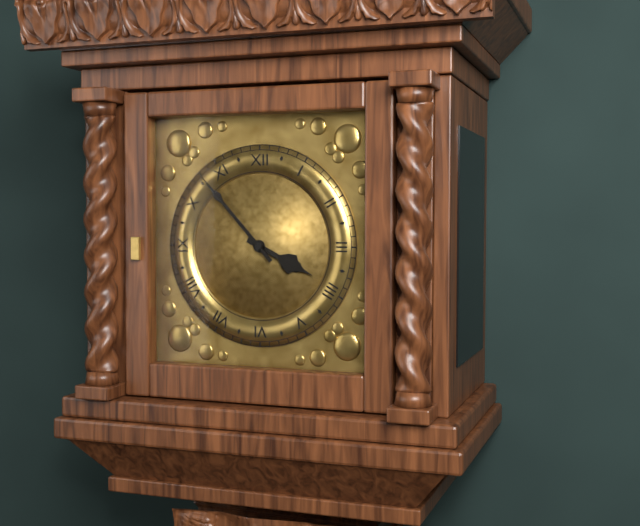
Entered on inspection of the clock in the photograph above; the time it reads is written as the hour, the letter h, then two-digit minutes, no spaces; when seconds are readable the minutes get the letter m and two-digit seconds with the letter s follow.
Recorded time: 3h53
